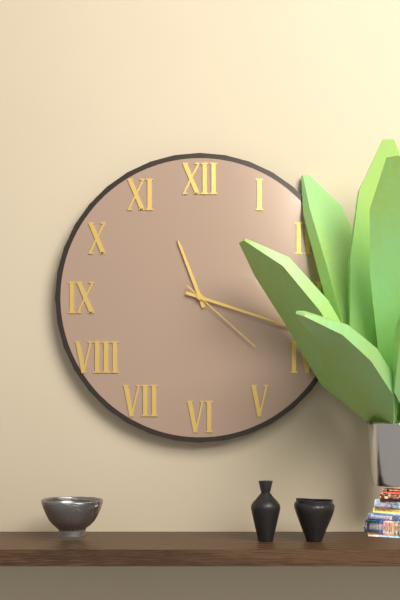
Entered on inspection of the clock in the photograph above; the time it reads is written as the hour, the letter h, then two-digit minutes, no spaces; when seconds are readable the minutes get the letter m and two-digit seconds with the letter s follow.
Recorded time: 11h18m22s
